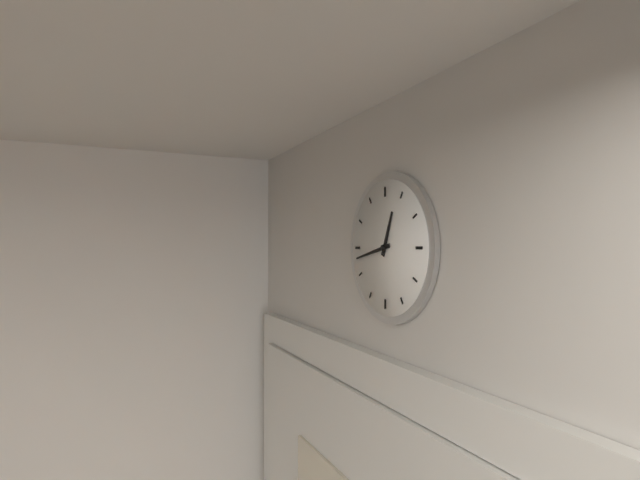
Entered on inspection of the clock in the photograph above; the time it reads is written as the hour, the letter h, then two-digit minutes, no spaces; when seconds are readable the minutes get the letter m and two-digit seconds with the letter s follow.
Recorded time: 12h43
